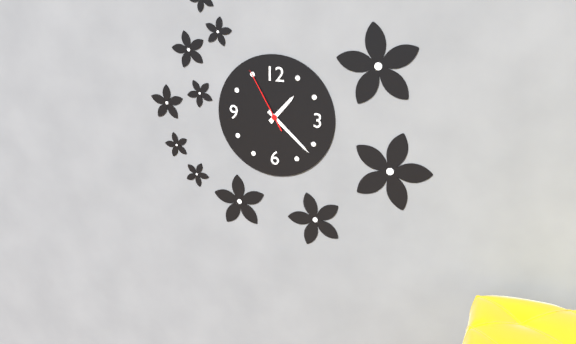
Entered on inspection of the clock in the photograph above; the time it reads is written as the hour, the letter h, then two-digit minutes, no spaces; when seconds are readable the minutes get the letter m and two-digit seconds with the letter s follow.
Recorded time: 1h22m55s
